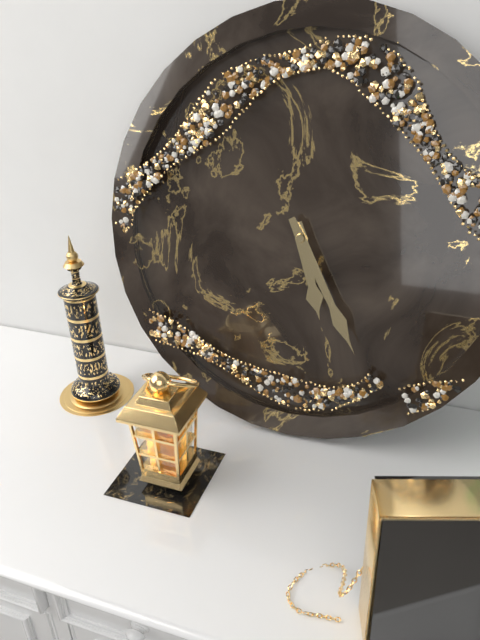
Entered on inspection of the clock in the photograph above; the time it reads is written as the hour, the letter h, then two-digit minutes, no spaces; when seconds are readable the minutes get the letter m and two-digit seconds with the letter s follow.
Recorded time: 5h25
